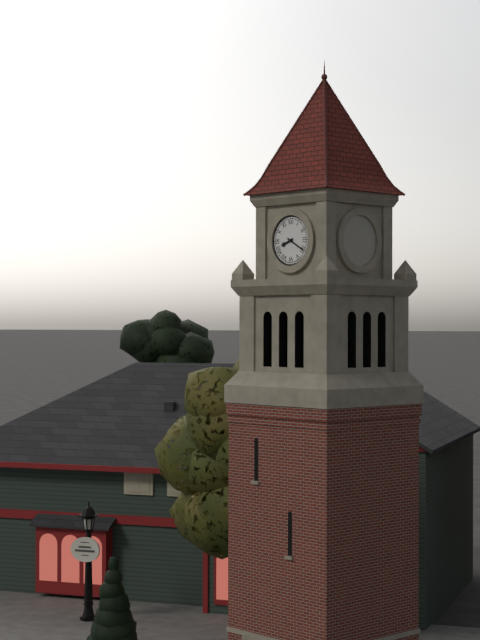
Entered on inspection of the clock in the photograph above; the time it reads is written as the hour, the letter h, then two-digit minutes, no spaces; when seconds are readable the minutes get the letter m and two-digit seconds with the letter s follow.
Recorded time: 8h20
